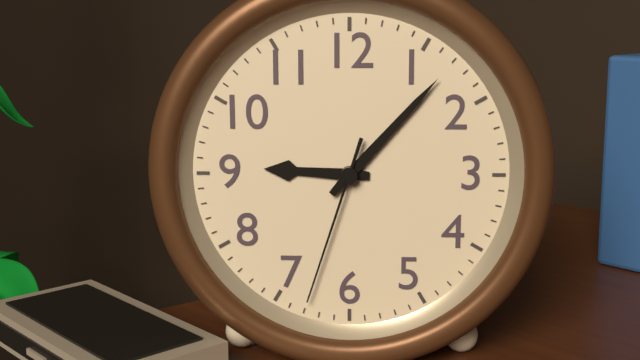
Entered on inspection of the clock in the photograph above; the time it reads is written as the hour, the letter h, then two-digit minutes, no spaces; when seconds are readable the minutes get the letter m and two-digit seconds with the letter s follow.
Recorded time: 9h07m33s
